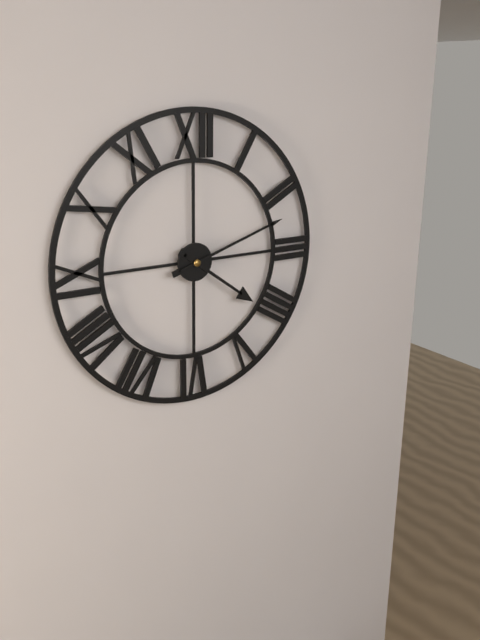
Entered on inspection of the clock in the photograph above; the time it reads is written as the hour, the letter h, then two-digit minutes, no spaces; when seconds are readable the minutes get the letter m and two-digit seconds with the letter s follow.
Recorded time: 4h12
